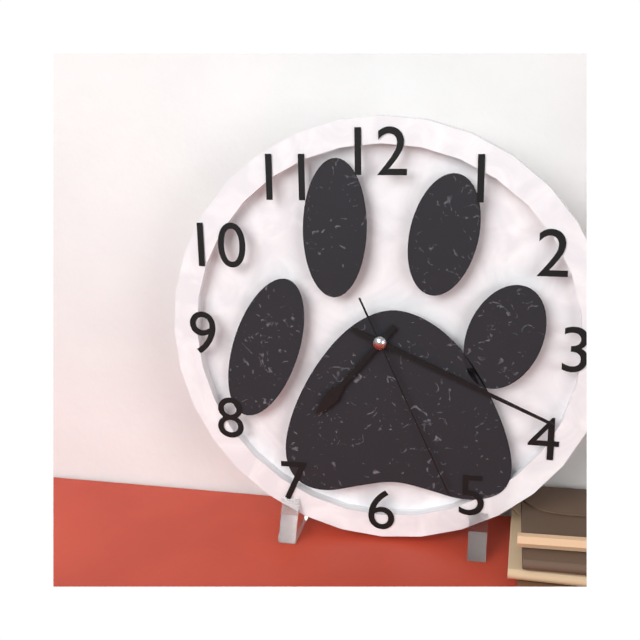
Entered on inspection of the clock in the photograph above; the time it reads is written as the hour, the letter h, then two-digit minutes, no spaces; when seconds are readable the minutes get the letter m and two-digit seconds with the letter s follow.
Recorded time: 7h19m26s
